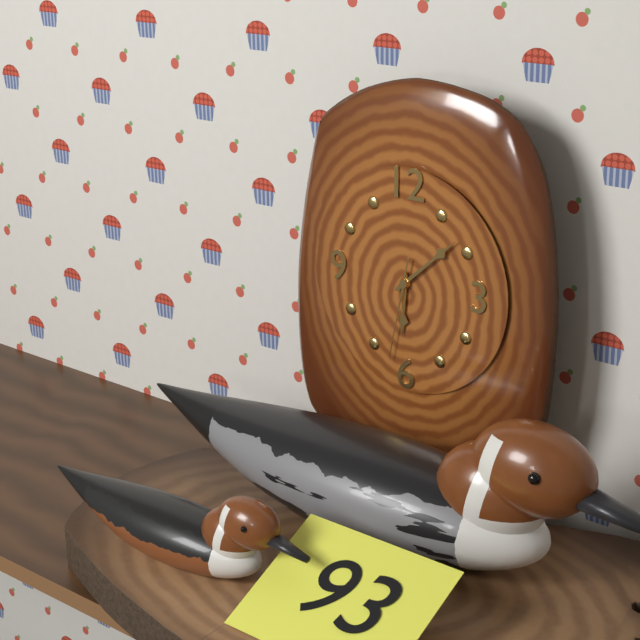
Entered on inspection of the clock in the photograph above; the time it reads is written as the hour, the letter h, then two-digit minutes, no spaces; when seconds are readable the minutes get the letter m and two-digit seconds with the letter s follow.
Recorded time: 6h08m32s
